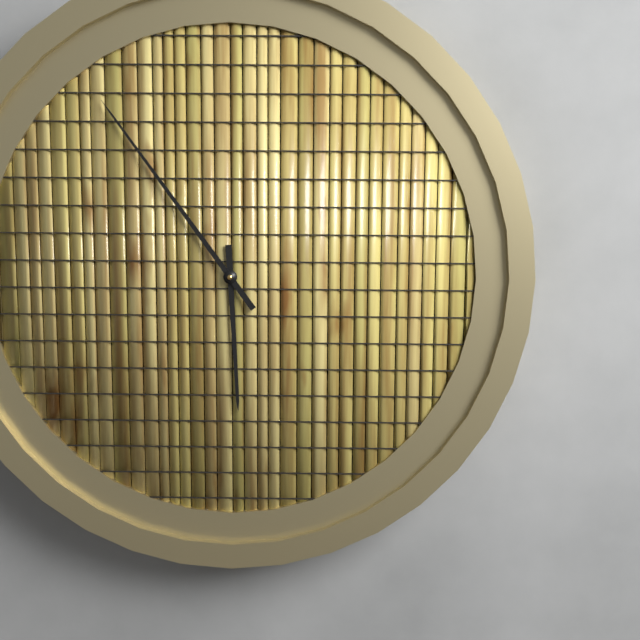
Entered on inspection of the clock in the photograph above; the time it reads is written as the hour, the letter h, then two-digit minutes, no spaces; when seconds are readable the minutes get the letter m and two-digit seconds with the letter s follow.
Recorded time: 5h54
